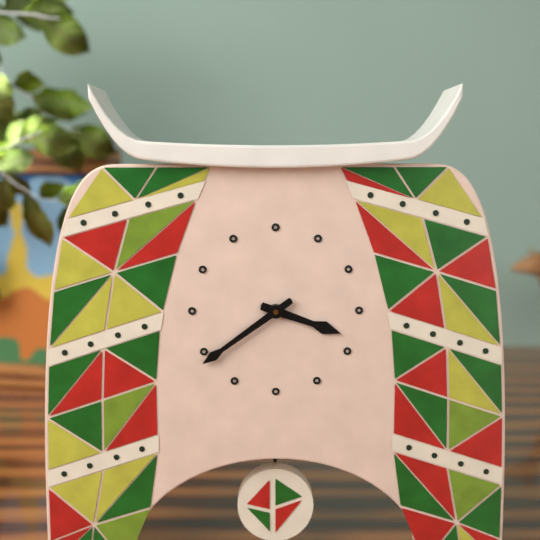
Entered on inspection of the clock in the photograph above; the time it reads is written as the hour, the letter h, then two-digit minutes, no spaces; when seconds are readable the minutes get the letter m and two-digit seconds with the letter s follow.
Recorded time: 3h39
